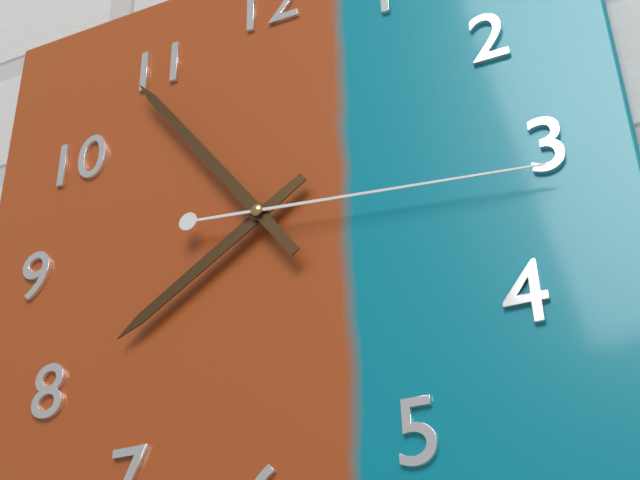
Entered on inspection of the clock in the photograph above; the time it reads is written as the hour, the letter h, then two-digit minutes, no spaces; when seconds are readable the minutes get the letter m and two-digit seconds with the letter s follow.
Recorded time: 7h54m16s
